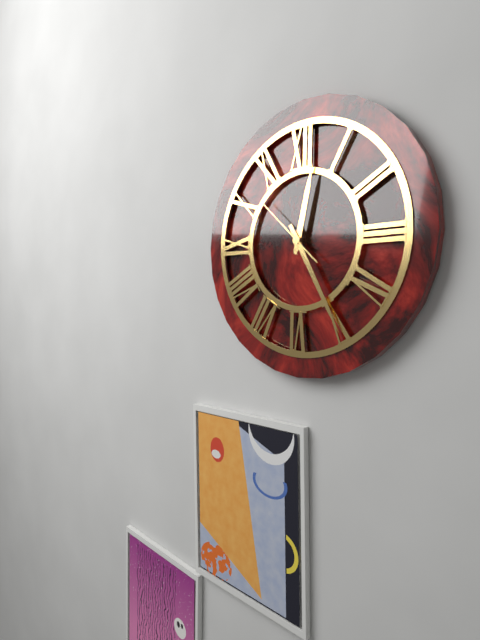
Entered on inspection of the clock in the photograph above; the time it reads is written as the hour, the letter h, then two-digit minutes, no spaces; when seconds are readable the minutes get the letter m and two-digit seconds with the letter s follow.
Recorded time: 12h25m52s
